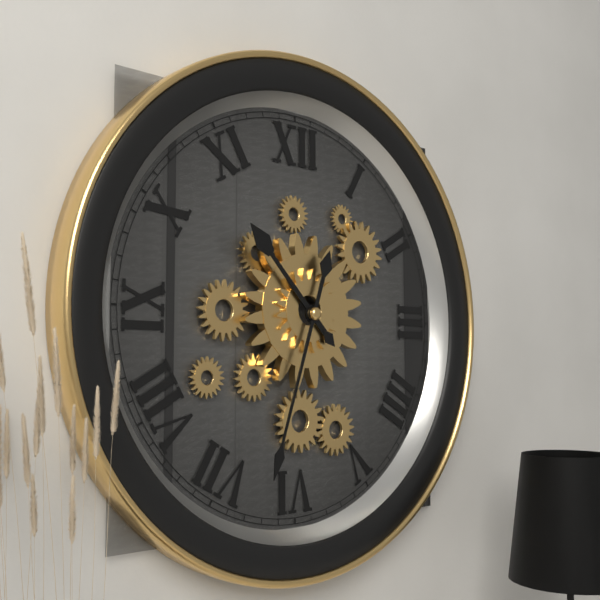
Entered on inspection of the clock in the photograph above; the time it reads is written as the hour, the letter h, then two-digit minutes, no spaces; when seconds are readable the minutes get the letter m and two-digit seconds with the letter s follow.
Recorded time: 10h33
